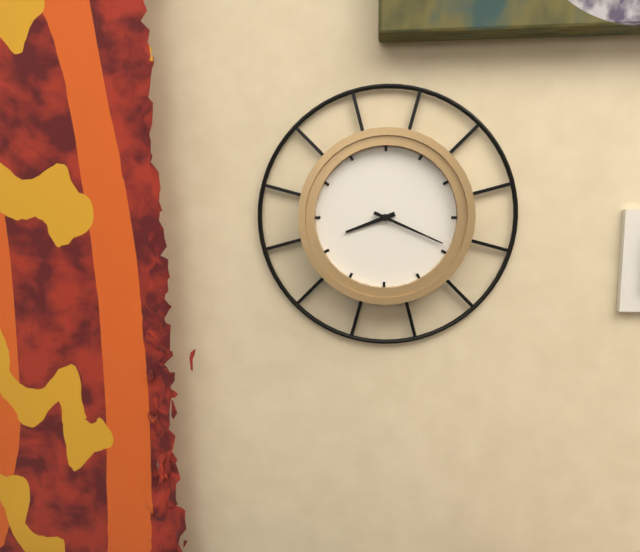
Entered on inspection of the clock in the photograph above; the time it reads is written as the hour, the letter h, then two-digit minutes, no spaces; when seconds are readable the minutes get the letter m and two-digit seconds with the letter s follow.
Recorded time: 8h19
